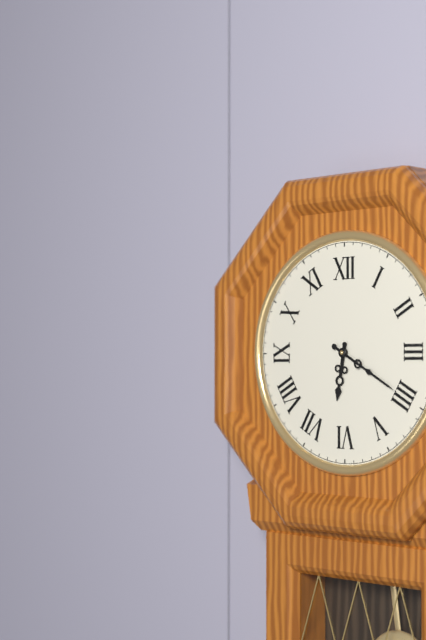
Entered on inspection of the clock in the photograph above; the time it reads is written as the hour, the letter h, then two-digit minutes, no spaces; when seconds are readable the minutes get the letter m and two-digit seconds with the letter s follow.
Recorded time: 6h20
